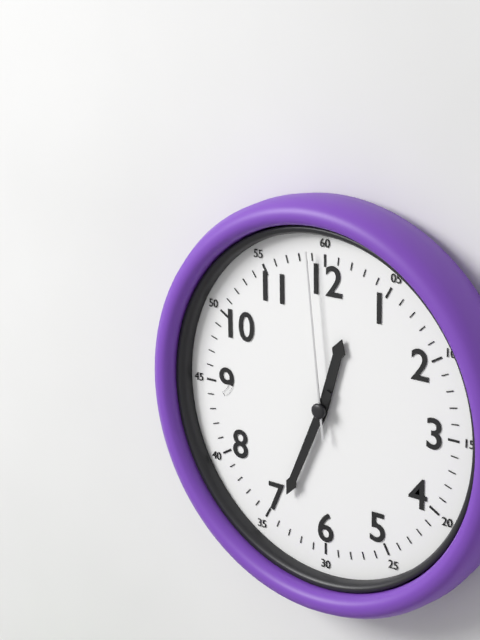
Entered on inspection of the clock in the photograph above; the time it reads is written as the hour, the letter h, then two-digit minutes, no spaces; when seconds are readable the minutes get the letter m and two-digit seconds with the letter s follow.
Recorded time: 12h34m59s
